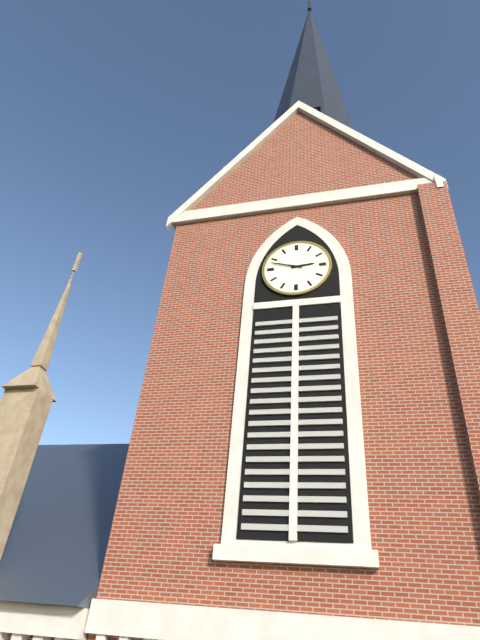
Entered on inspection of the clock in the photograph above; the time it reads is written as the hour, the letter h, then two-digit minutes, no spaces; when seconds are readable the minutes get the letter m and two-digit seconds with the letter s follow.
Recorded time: 2h48
